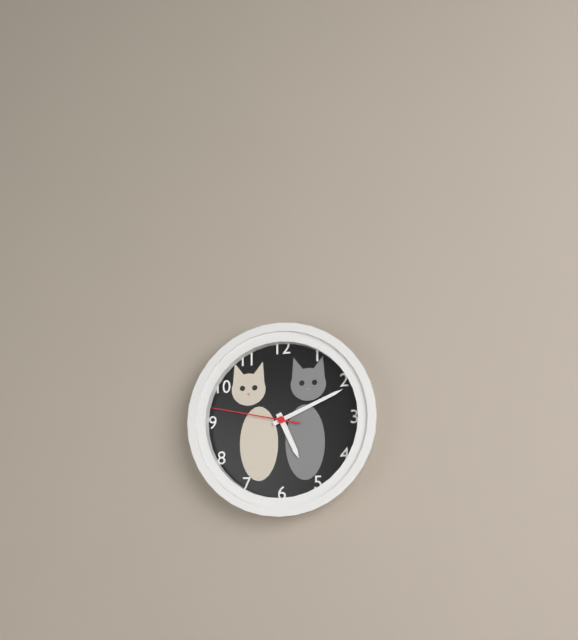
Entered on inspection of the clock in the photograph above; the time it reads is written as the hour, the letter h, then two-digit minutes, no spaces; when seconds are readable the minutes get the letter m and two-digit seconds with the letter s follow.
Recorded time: 5h11m47s
